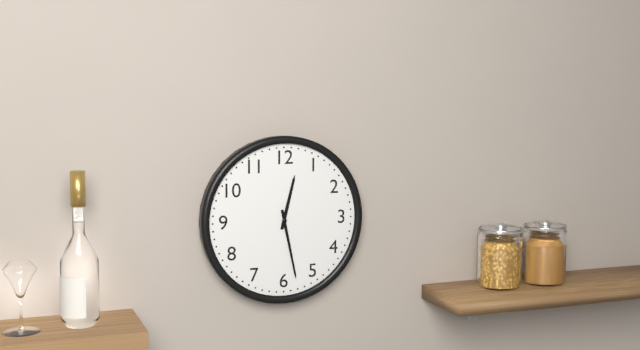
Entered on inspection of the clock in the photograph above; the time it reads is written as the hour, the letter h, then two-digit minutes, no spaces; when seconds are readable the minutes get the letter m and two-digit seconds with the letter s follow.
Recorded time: 12h28
